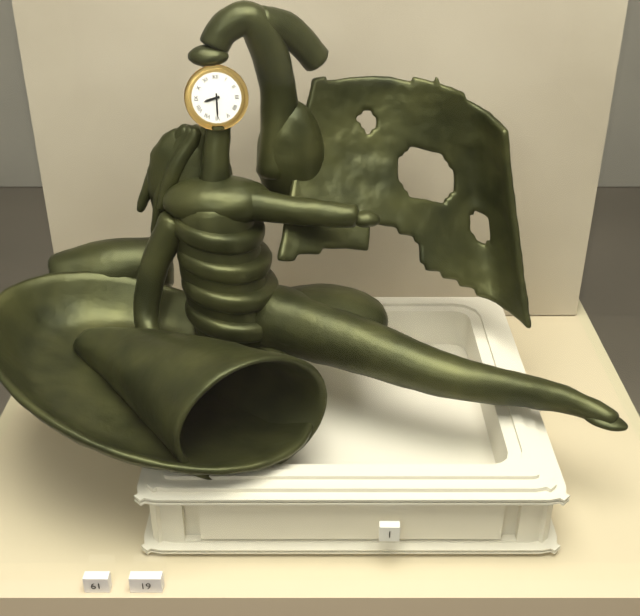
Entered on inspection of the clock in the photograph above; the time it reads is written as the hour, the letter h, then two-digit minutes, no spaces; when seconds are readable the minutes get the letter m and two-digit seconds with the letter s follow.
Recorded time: 8h30
